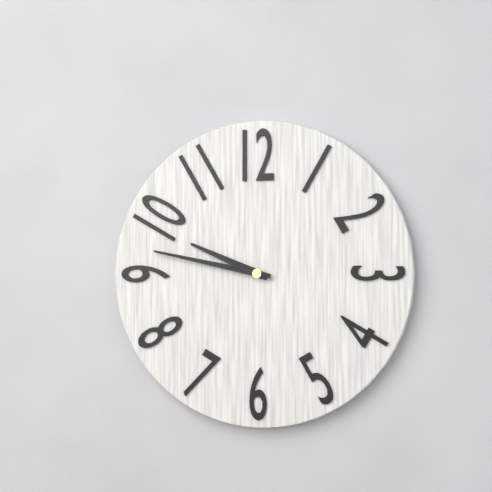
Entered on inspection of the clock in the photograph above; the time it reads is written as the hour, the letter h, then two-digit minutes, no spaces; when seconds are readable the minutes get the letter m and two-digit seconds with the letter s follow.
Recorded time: 9h47
